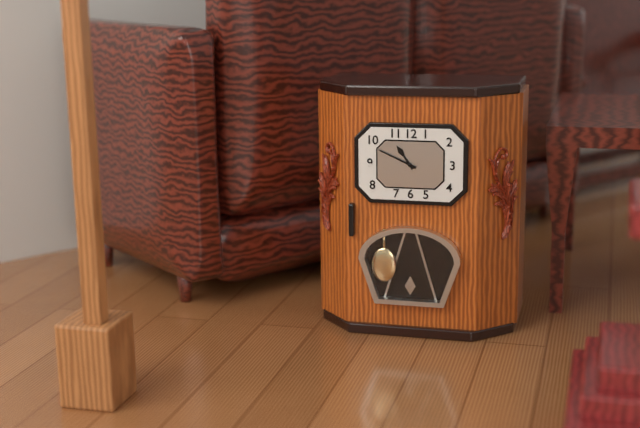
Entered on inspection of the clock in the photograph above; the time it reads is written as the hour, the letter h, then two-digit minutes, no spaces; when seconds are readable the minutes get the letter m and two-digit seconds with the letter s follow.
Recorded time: 10h49
